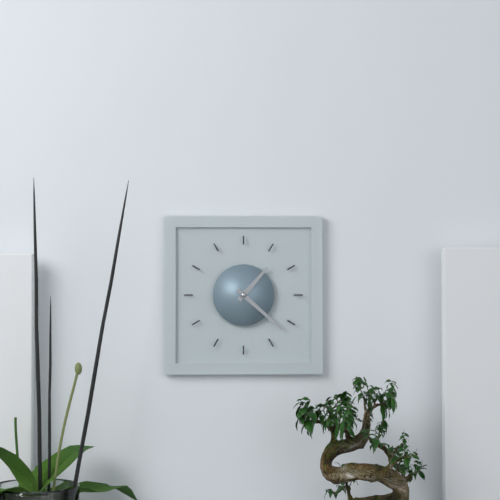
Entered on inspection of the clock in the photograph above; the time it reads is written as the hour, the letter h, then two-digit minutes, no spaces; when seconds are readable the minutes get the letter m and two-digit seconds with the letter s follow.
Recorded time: 1h22
